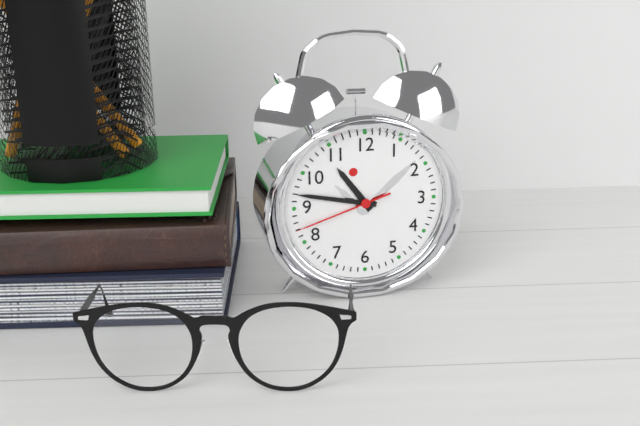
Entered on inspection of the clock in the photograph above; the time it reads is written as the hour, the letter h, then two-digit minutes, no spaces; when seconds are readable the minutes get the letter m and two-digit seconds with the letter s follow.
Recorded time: 10h47m42s
